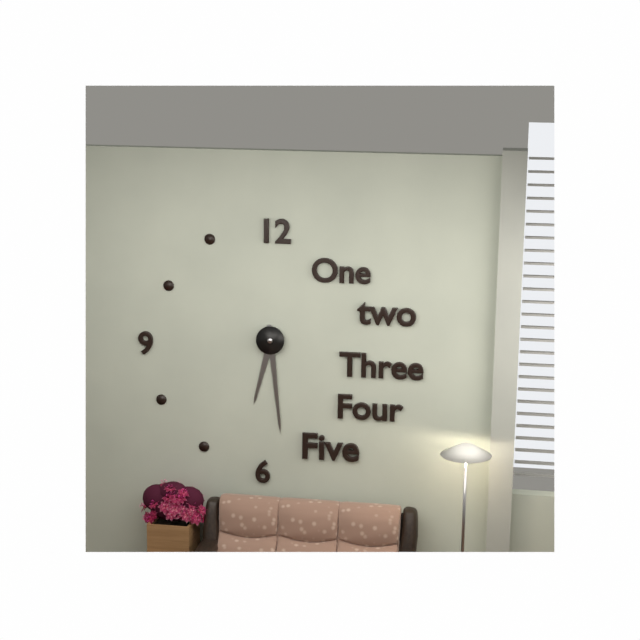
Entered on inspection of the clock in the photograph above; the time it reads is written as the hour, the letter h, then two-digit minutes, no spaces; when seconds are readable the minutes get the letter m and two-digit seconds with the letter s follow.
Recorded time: 6h29
